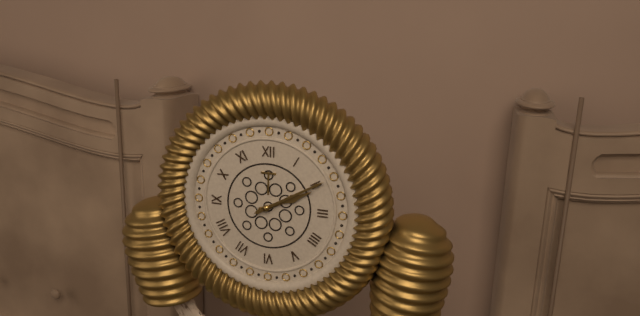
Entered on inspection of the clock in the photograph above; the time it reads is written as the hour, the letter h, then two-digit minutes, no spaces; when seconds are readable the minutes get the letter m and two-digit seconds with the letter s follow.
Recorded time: 2h10
